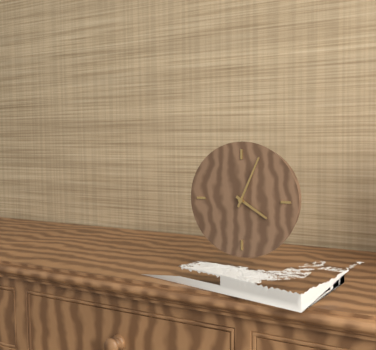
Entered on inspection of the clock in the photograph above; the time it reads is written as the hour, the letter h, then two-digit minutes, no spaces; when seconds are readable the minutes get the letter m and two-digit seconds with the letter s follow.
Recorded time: 4h04
